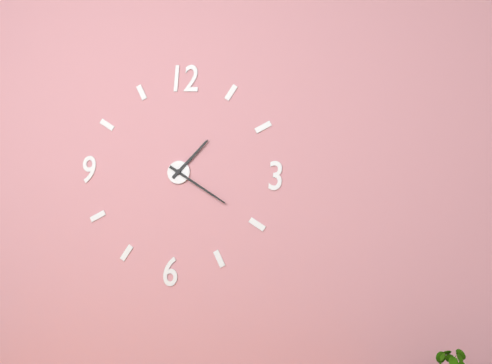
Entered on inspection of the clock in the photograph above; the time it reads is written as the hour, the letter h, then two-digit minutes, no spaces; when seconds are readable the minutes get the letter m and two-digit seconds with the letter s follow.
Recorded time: 1h20
